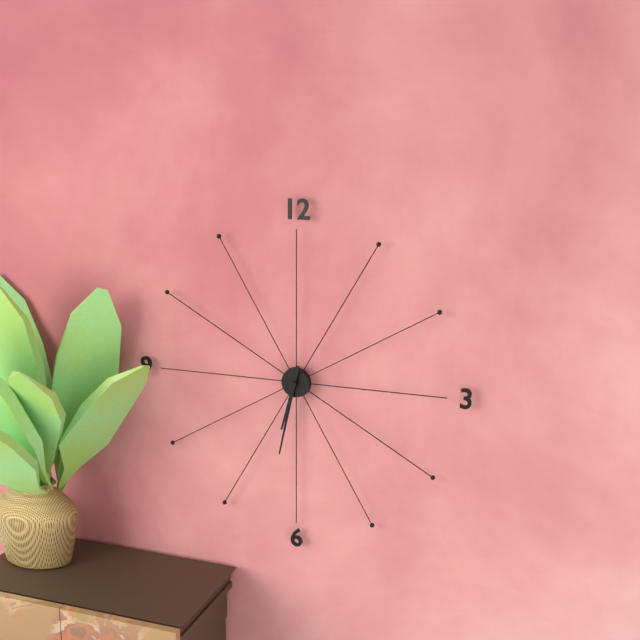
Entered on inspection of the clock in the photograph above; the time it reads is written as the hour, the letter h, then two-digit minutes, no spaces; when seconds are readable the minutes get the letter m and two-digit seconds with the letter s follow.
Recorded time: 6h32
